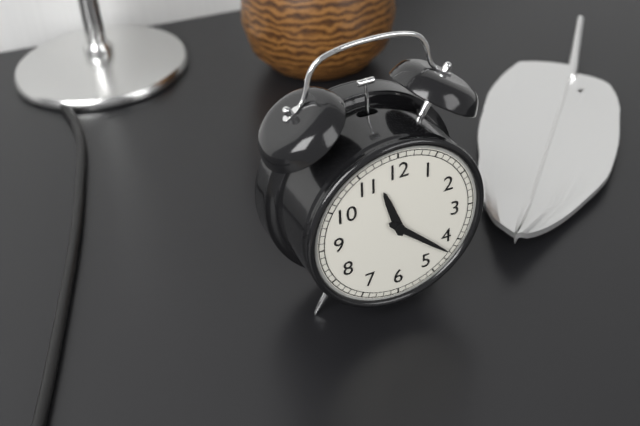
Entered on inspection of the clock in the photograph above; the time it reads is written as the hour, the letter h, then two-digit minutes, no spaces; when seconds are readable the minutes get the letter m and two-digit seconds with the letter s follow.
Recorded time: 11h22
